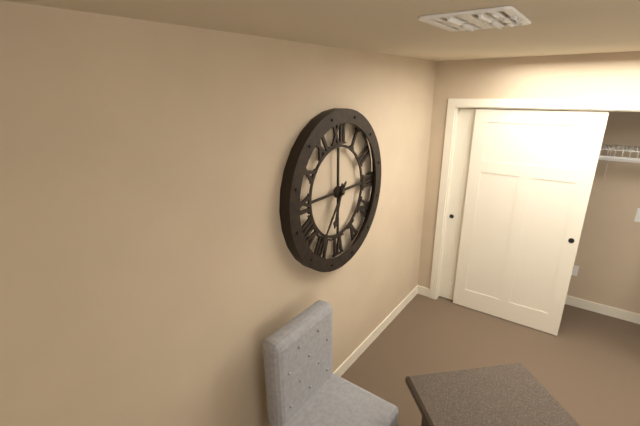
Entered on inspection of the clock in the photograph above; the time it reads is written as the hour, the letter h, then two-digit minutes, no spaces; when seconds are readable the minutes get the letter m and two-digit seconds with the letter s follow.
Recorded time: 6h36
